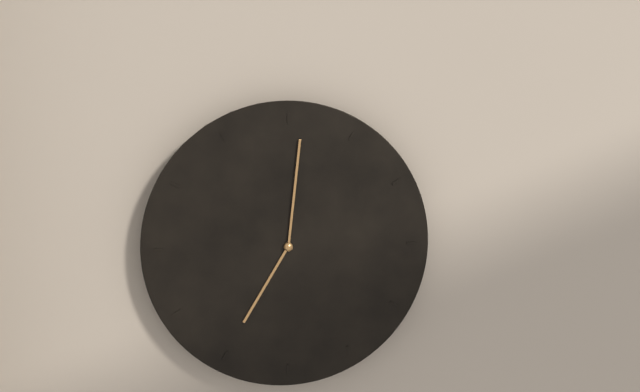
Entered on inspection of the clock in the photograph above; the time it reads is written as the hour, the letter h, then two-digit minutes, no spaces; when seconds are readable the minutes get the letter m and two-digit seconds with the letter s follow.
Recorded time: 7h01
